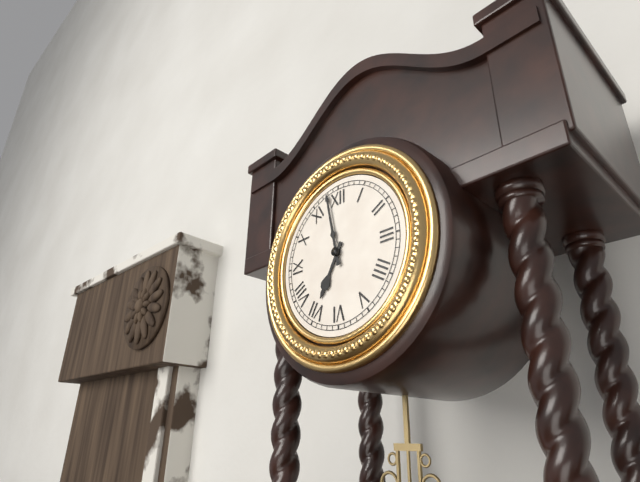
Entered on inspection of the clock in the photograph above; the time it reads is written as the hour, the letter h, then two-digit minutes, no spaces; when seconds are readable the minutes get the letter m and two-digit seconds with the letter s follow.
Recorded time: 6h58
